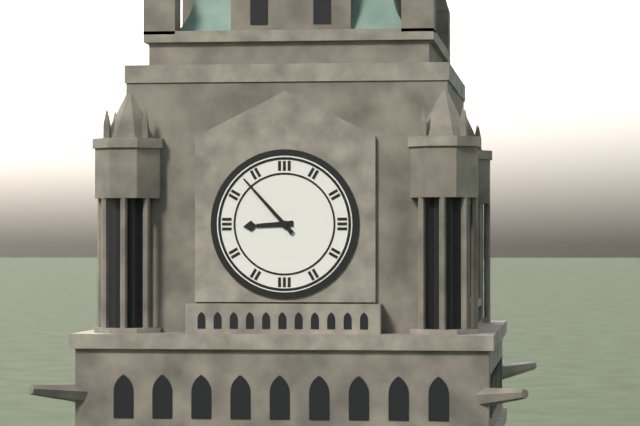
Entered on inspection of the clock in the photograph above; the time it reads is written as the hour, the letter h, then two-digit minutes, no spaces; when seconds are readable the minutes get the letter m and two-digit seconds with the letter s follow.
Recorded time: 8h53
